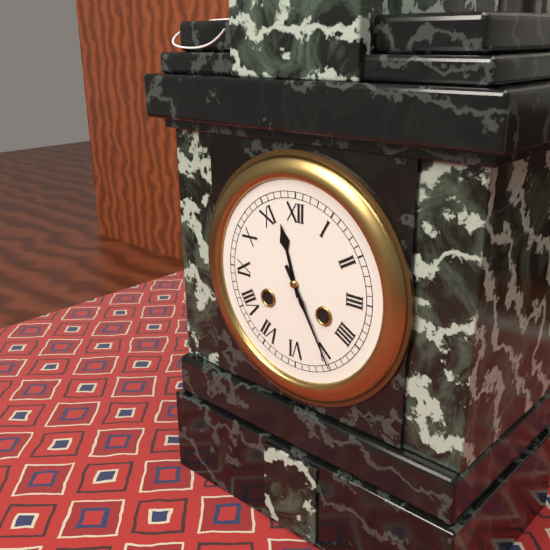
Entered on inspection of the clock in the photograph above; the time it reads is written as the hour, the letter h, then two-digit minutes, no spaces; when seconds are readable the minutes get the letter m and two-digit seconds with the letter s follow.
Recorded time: 11h25
